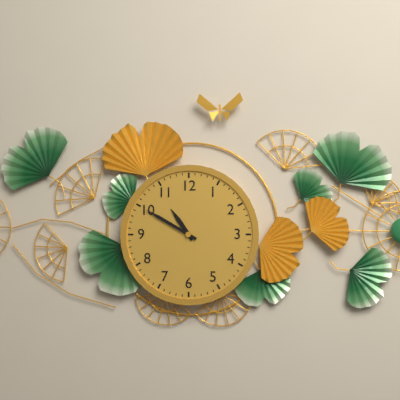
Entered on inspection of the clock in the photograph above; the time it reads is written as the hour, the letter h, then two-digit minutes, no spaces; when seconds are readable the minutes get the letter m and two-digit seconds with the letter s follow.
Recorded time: 10h50
